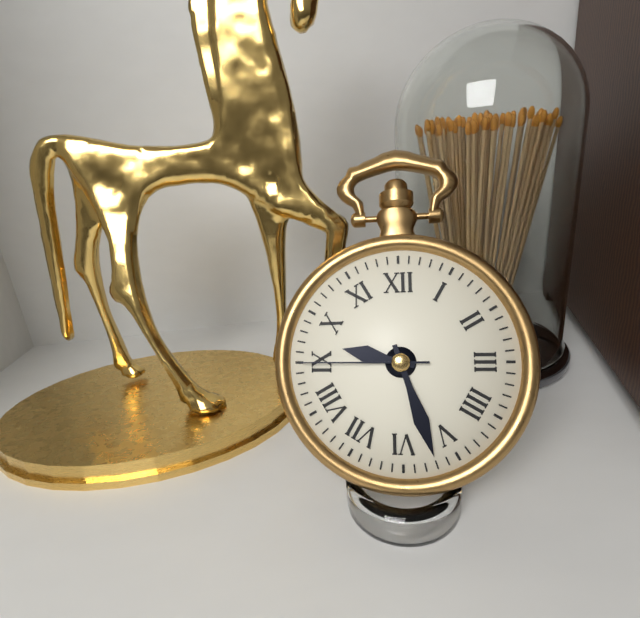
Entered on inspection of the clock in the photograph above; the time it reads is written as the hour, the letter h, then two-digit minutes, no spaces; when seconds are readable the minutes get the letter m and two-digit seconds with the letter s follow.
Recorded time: 9h27m45s
